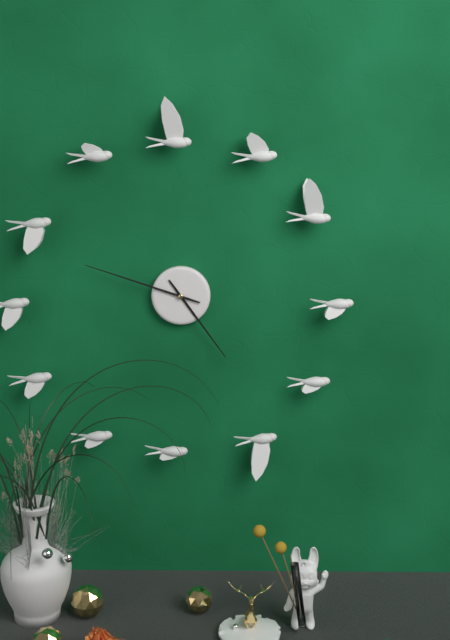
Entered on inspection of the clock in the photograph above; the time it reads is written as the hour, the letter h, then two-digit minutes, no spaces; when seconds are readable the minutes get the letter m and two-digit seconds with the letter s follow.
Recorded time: 4h48
